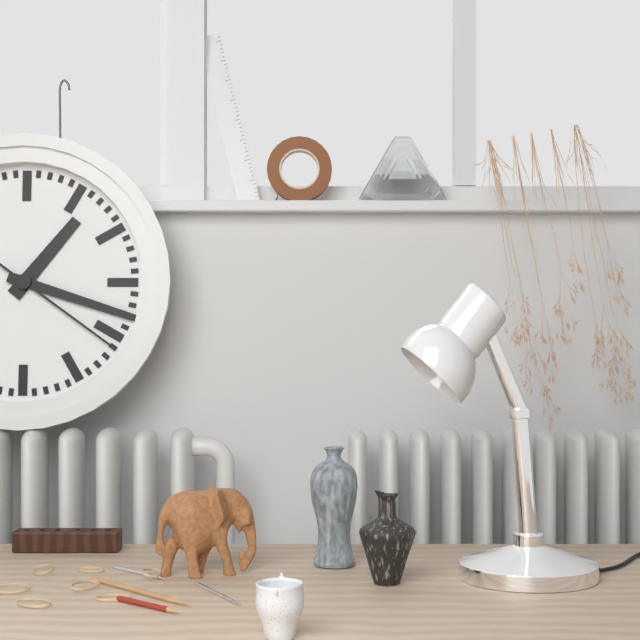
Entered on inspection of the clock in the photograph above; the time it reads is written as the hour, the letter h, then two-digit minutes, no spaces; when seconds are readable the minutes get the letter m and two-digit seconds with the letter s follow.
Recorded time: 1h18m21s
